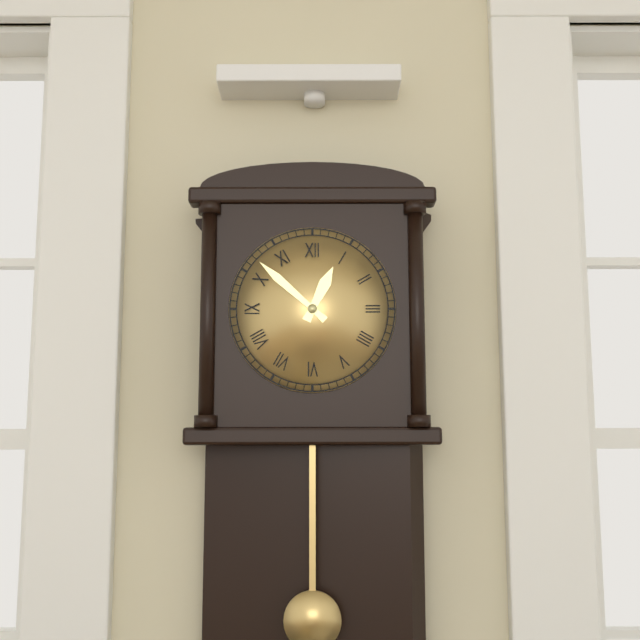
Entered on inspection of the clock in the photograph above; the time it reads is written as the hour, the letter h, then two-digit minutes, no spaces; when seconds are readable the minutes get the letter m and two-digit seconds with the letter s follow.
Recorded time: 12h52
